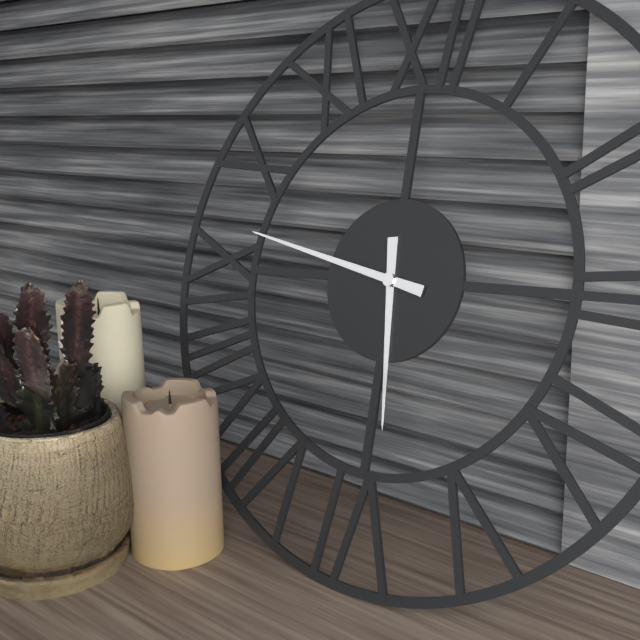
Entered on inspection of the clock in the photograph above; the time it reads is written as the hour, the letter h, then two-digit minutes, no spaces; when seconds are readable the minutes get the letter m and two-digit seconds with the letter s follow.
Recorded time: 5h47
